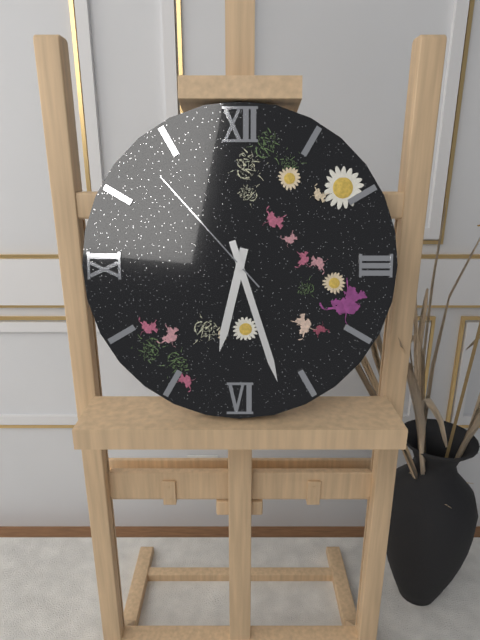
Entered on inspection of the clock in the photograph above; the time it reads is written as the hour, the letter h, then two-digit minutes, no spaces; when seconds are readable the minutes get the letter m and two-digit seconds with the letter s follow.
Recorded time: 6h27m53s
